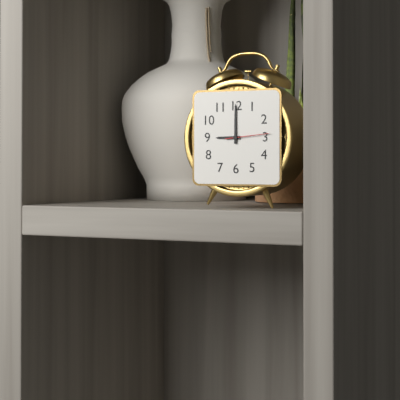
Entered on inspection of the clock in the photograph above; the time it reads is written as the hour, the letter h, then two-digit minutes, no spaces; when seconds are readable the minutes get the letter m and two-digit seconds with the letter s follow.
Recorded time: 9h00
